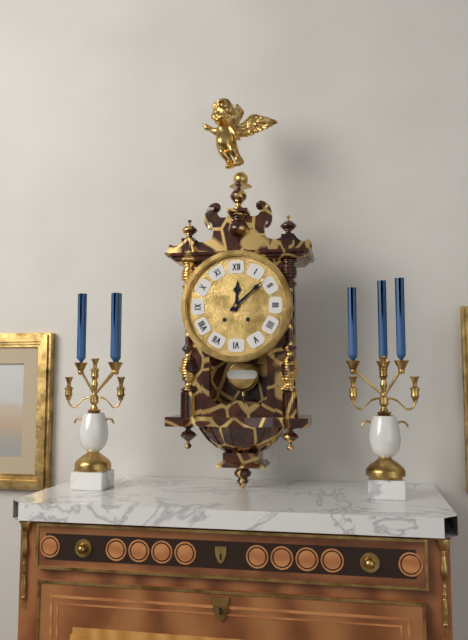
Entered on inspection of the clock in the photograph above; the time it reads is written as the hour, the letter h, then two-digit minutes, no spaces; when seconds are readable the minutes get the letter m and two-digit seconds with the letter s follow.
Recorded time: 12h08
